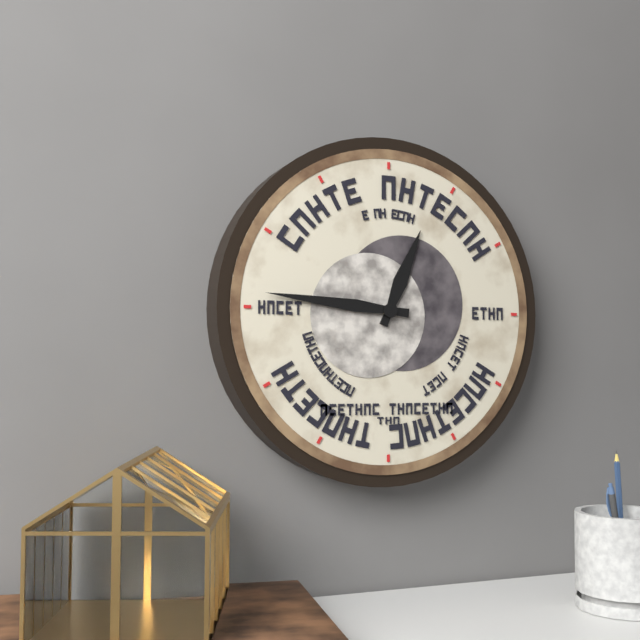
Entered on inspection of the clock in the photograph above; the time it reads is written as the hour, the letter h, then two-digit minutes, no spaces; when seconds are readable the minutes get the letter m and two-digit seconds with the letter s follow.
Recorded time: 12h46
